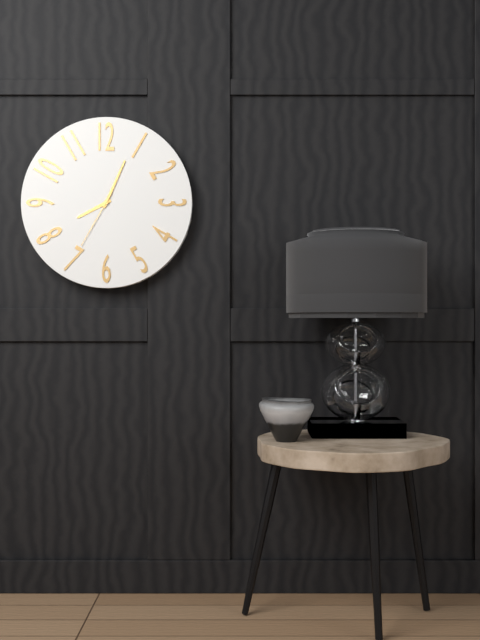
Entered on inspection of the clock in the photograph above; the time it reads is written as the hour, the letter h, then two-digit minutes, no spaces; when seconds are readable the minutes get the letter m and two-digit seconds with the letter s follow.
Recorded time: 8h04m35s
